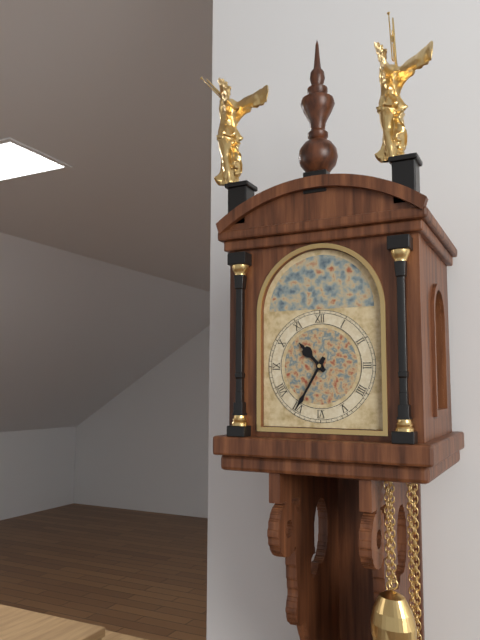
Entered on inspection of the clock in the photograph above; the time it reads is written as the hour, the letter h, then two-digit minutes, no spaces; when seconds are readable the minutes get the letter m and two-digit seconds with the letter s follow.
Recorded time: 10h35
